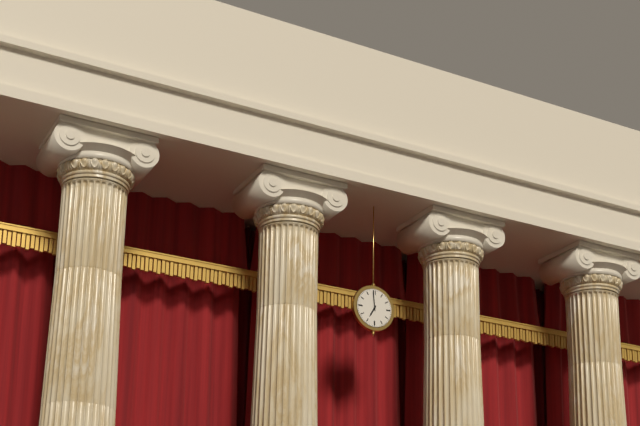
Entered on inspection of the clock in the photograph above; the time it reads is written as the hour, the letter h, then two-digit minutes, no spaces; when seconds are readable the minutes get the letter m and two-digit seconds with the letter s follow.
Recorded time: 6h59
